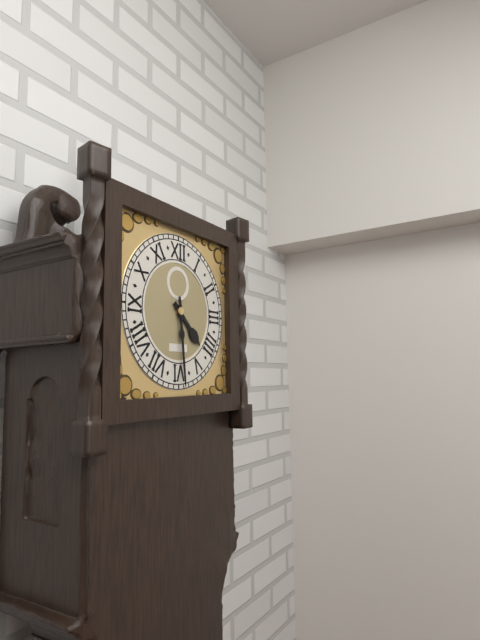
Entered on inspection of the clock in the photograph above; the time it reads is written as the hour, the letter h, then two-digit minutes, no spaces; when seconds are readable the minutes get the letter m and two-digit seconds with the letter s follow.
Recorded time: 4h29
